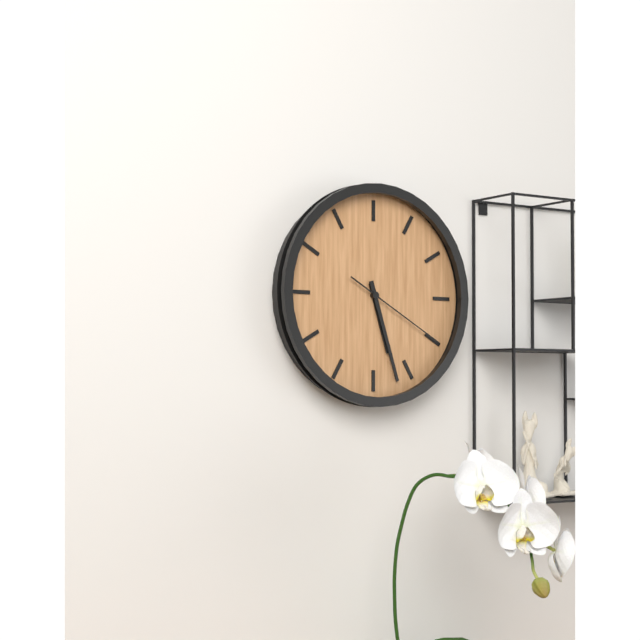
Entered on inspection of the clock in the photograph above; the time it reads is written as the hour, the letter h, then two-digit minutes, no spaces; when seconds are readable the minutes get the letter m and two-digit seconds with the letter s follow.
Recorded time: 5h27m20s
